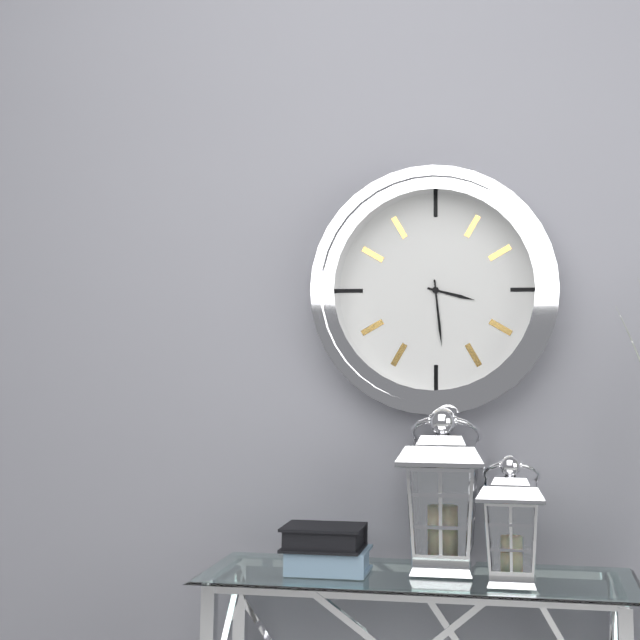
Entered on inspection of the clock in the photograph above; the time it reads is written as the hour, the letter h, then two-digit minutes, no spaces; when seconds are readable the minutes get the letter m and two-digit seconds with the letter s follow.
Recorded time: 3h29
